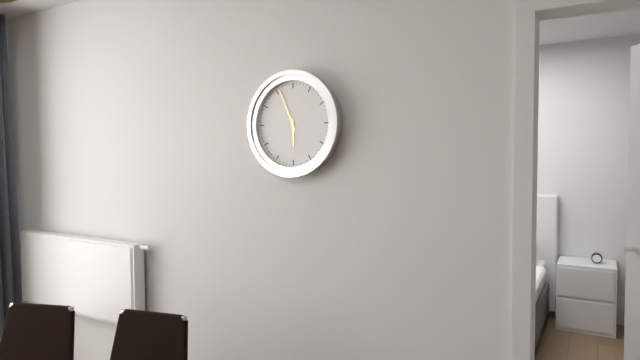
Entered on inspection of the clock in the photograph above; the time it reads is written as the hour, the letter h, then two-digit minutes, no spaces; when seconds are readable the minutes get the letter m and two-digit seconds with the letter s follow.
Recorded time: 5h56
